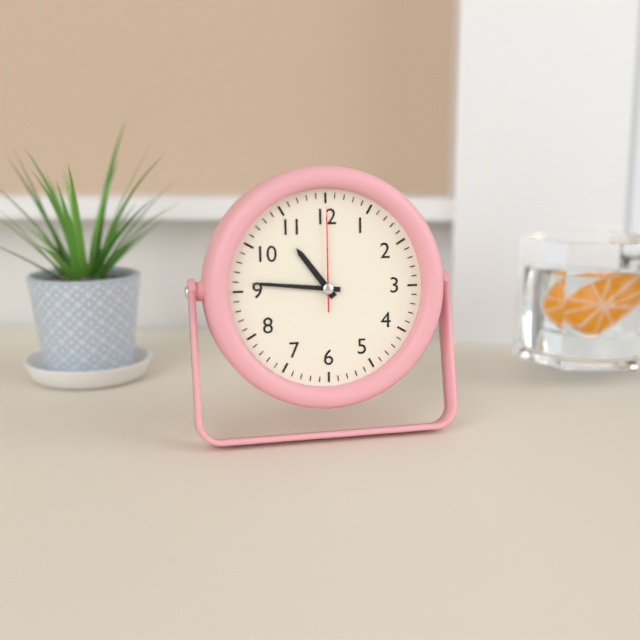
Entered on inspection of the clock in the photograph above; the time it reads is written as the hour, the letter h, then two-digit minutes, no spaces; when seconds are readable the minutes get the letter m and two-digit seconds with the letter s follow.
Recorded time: 10h46m00s
